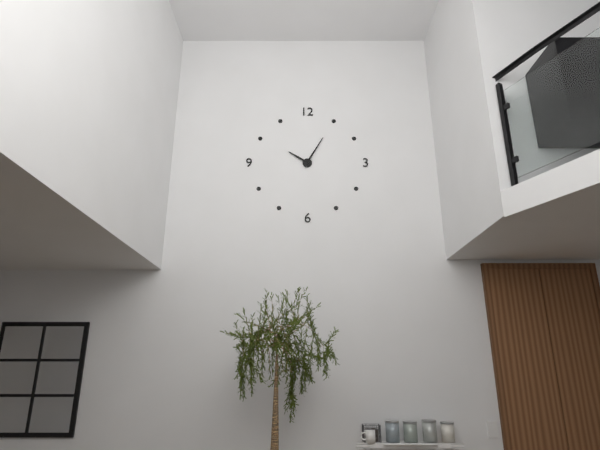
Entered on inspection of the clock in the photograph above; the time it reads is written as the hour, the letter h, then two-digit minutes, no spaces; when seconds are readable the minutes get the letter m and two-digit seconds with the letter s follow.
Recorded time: 10h05
